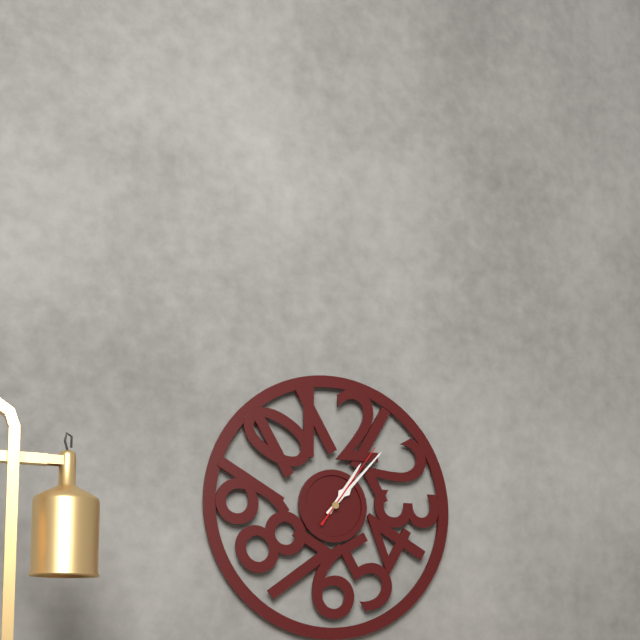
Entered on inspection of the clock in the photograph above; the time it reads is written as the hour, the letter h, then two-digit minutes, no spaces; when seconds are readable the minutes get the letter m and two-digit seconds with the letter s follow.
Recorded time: 1h07m06s
